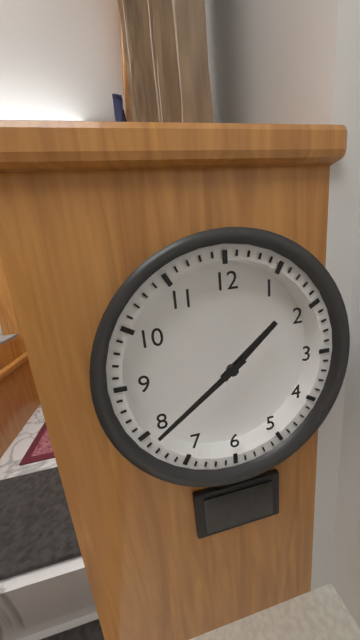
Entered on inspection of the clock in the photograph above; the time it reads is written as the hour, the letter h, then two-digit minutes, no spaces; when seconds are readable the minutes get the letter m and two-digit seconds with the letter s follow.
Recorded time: 1h39
